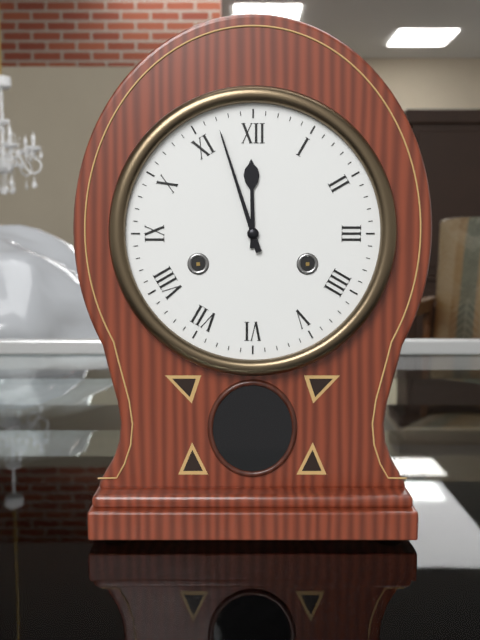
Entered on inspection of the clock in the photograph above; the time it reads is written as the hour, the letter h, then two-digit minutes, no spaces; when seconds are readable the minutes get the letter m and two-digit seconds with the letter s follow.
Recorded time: 11h57
